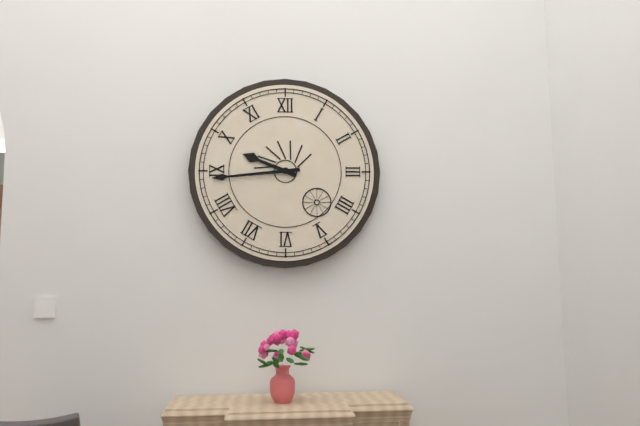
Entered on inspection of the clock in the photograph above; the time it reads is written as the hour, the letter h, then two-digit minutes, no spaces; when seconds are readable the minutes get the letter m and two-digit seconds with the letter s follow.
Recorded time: 9h44
